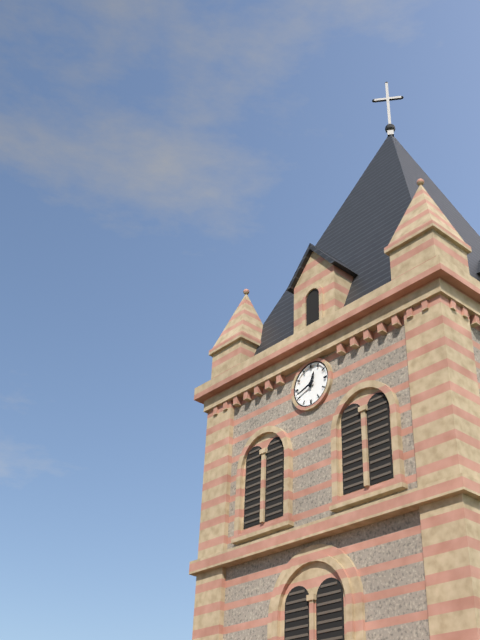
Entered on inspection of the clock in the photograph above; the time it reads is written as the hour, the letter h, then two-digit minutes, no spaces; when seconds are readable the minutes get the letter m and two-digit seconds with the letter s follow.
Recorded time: 12h42
